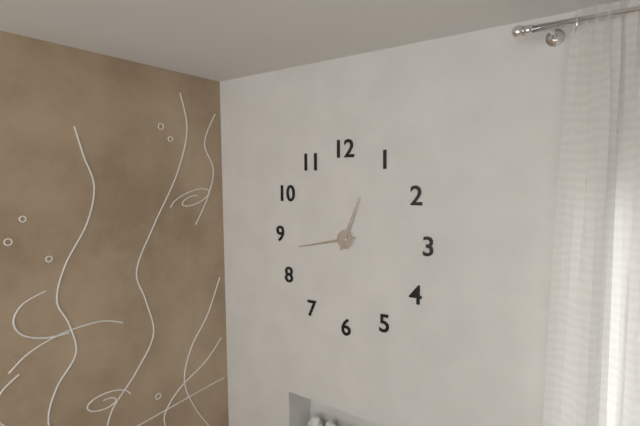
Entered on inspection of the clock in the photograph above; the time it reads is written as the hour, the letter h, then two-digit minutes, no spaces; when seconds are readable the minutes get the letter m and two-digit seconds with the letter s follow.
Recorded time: 12h43
